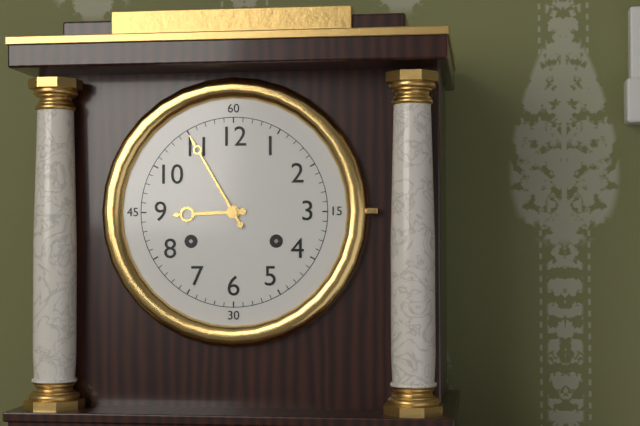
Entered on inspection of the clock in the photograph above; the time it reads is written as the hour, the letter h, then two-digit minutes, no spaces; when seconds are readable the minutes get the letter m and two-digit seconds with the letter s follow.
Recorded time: 8h55
